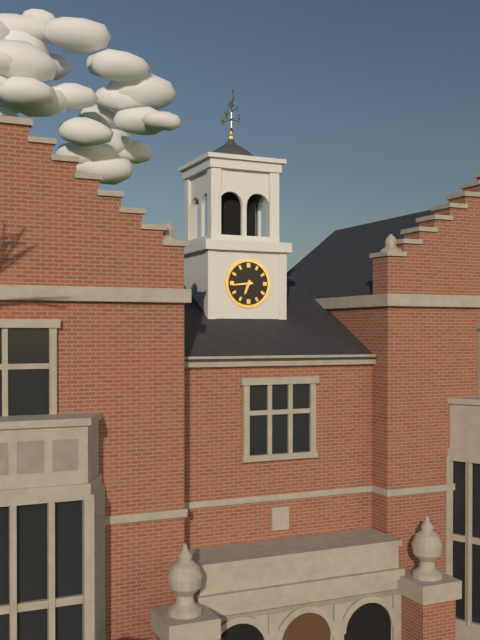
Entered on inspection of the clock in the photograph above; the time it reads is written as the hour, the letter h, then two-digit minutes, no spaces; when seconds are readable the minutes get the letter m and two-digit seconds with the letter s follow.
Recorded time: 6h44
